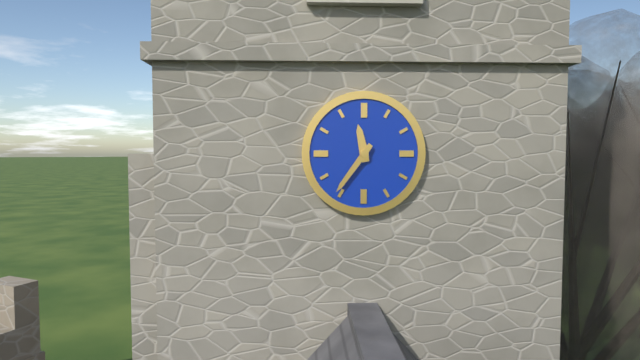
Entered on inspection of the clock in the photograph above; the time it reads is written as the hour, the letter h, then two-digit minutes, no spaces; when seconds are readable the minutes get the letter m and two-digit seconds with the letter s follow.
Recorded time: 11h36
